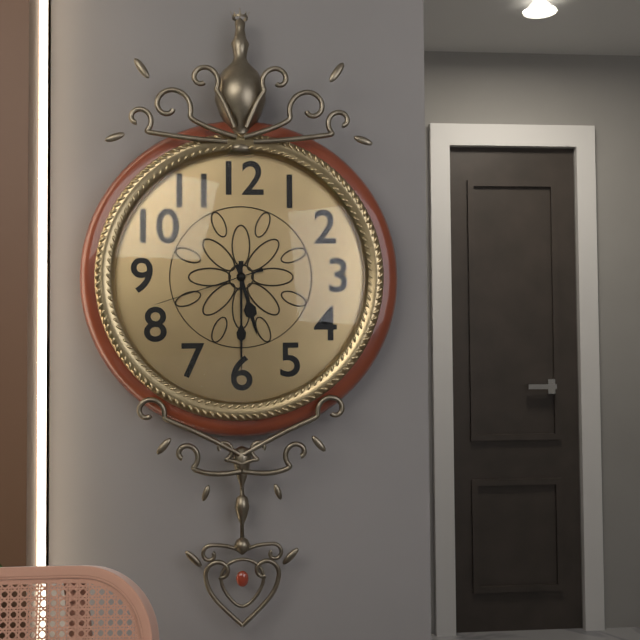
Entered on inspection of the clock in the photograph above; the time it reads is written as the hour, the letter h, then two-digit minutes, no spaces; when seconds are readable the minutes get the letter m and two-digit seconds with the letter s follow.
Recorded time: 5h30m42s
